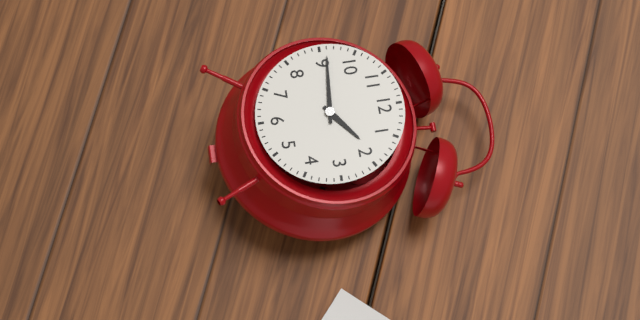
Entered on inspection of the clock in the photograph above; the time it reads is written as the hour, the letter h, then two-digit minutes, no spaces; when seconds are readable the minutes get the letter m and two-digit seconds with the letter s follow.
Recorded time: 1h46
